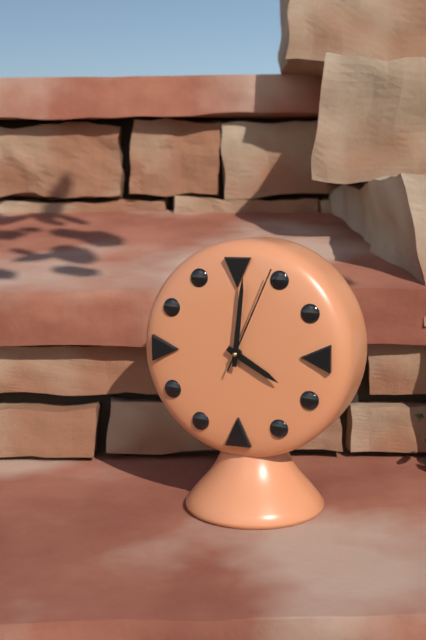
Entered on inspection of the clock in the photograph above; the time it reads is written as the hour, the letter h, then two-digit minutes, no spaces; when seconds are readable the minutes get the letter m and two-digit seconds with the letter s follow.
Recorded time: 4h01m04s
